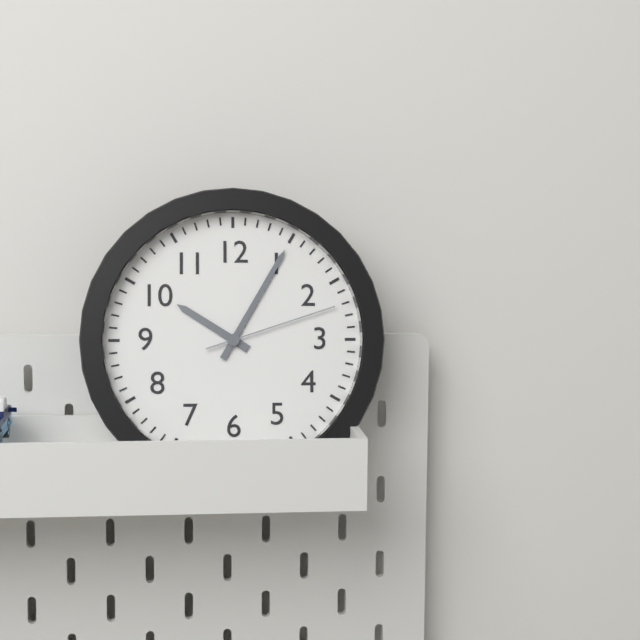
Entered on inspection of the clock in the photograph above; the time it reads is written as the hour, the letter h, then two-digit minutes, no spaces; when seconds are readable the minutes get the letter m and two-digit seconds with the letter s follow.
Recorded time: 10h05m12s
